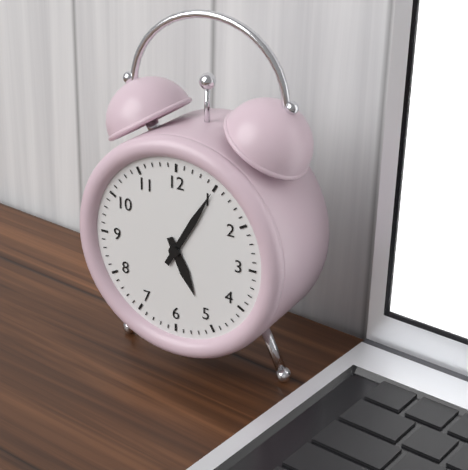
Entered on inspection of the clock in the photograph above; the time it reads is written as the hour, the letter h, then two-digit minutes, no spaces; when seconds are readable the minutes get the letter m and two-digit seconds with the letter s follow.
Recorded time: 5h05
